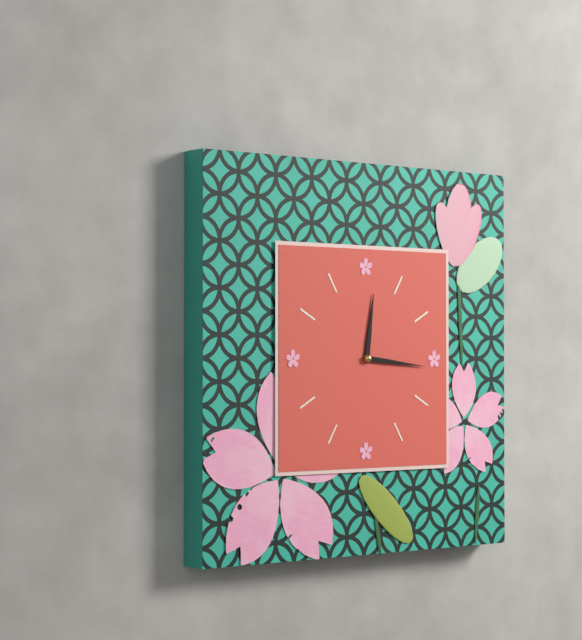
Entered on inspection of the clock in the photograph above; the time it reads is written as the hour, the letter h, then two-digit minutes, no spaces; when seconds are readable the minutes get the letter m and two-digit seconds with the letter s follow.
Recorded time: 12h16
